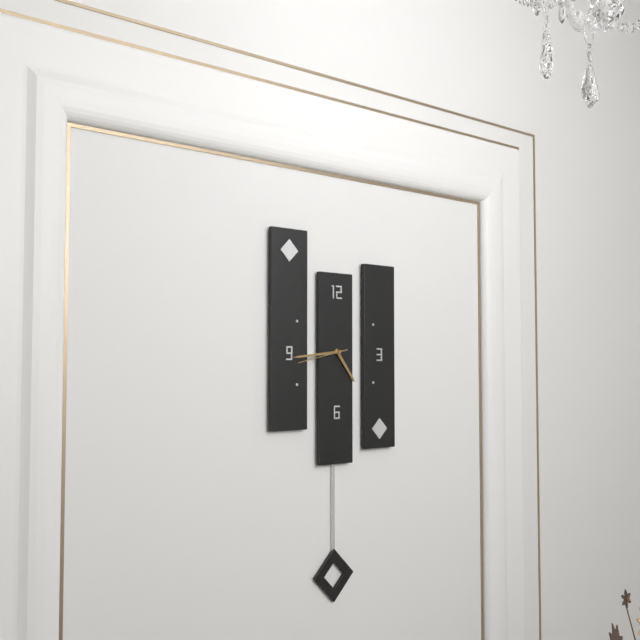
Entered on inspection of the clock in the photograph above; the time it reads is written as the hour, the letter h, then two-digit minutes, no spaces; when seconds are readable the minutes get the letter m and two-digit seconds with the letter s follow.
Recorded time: 4h44
